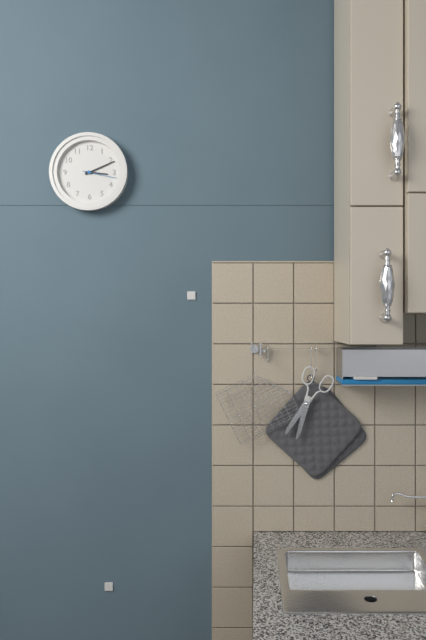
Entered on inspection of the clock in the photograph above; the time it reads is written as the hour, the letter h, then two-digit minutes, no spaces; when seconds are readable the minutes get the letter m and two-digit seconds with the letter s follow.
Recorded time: 3h11
